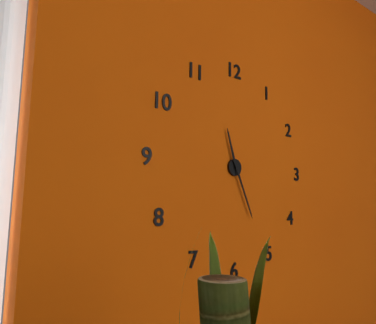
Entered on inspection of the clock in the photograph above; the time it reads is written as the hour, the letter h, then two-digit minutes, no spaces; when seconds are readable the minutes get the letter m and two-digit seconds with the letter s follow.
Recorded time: 11h26
